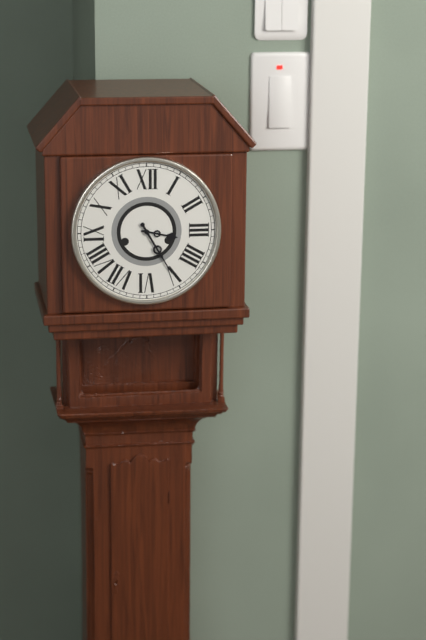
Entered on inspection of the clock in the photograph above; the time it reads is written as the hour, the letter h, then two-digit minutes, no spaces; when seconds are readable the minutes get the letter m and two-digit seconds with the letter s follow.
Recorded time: 3h25
